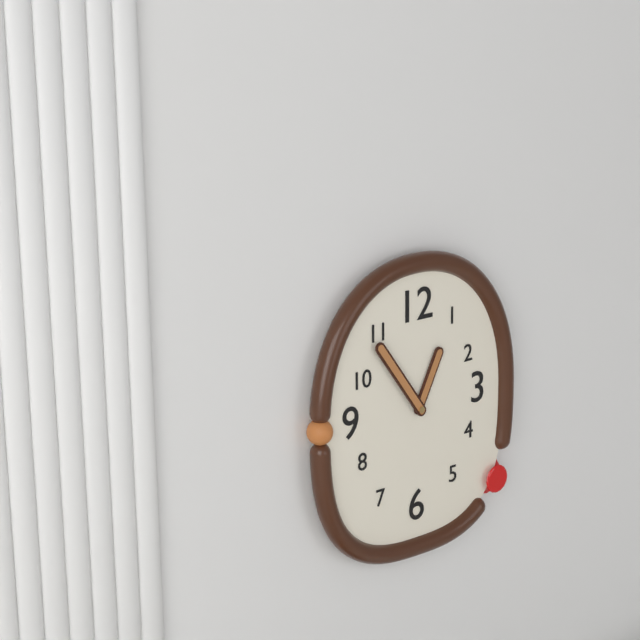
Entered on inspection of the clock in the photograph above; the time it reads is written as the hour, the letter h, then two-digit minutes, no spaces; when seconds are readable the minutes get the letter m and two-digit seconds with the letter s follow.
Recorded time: 12h54
